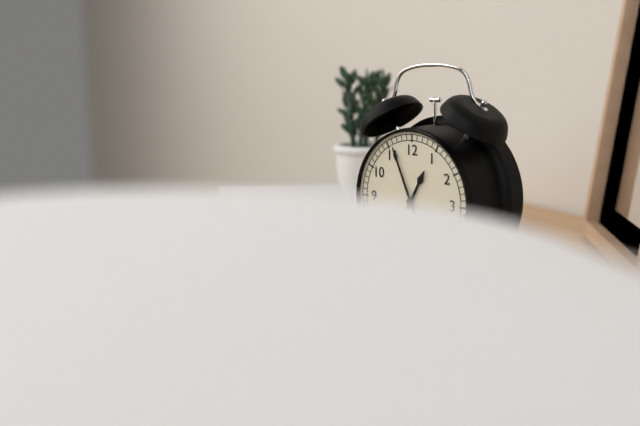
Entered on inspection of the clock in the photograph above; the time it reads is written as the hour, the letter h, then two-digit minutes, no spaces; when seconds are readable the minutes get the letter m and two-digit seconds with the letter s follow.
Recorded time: 12h56
